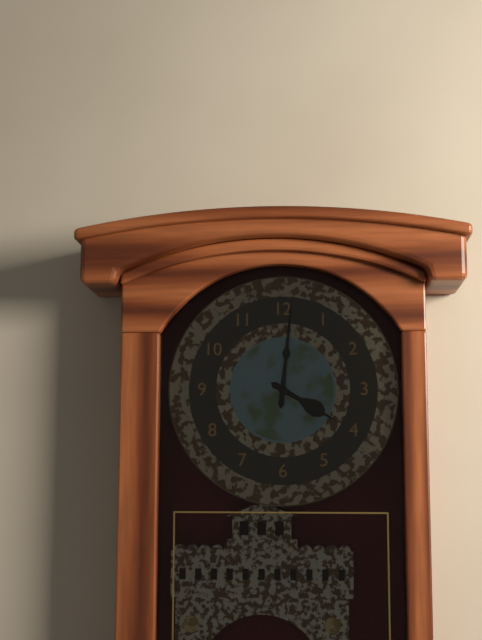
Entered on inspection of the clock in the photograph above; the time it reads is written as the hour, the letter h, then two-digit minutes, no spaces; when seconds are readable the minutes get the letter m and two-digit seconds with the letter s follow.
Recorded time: 4h01
